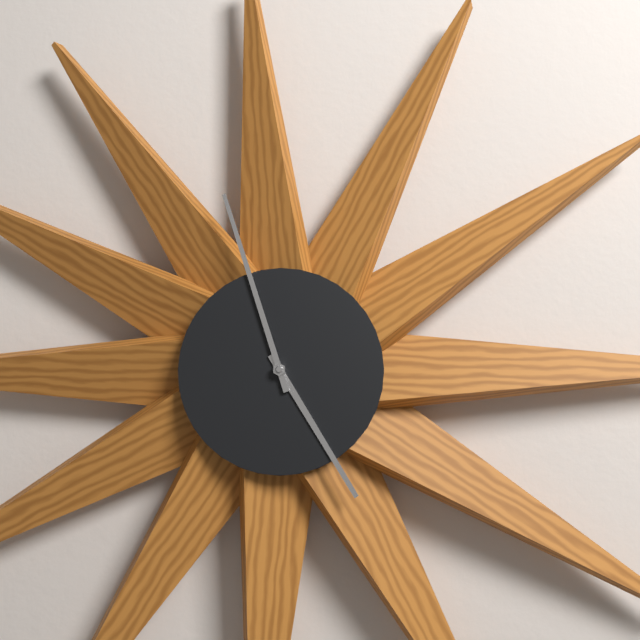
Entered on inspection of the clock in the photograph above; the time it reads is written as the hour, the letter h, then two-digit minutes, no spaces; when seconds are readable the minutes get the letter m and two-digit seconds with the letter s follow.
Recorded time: 4h57
